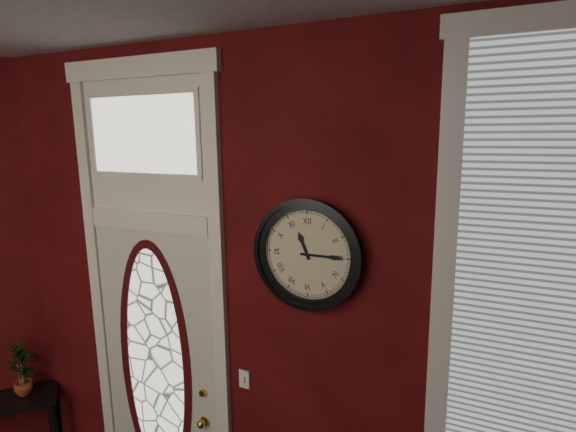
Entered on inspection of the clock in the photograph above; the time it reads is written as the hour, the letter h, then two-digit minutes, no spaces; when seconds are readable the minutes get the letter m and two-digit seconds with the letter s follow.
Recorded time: 11h15
